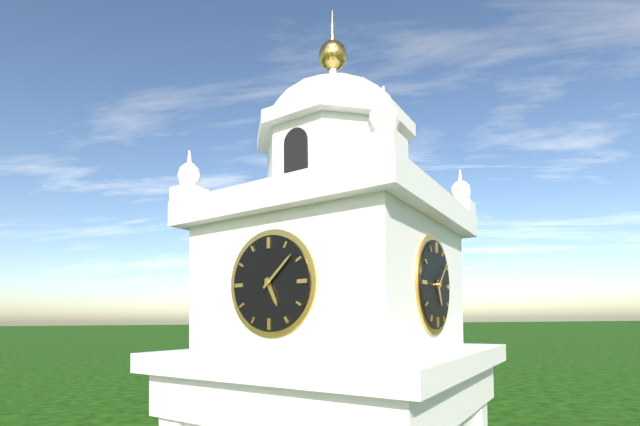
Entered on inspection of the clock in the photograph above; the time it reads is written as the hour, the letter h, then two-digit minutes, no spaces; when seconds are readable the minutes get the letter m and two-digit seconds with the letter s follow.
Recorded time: 5h08
